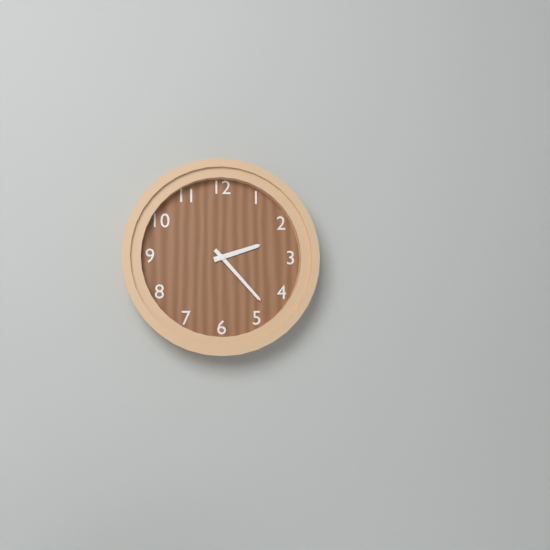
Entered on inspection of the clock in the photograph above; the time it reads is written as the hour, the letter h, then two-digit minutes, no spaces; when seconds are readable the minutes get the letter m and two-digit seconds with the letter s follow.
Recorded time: 2h23
